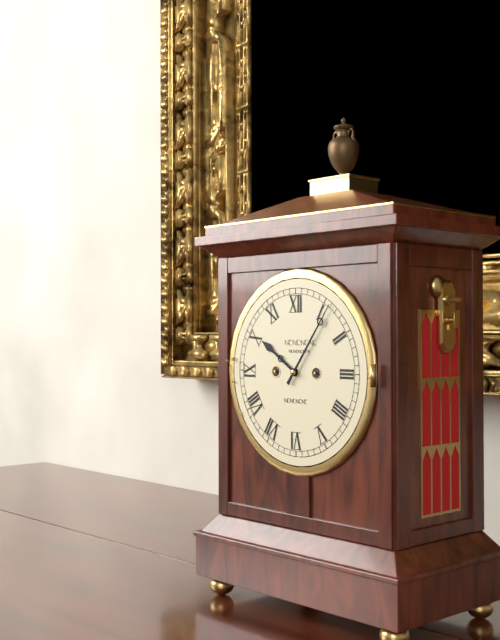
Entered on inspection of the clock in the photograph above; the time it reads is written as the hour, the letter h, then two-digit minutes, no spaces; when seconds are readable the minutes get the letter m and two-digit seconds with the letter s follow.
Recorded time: 10h06
